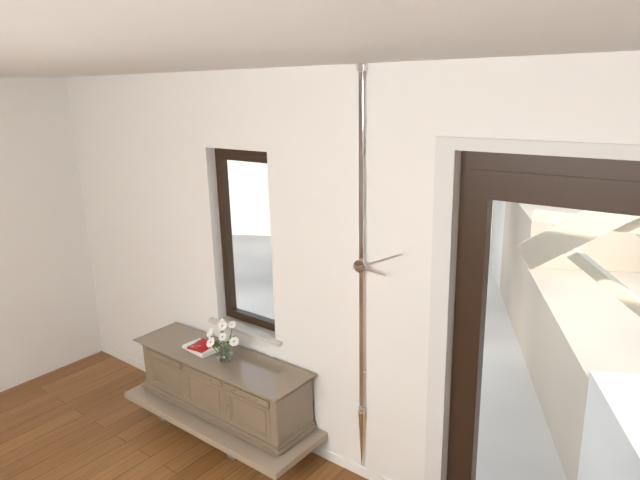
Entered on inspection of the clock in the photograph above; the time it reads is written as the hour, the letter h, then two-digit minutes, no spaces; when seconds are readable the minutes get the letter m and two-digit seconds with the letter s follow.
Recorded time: 3h11
